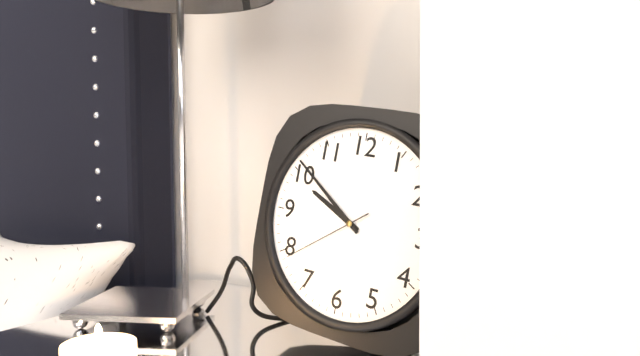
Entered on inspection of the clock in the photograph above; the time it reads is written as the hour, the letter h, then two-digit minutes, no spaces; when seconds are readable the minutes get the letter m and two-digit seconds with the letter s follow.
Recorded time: 9h51m39s
